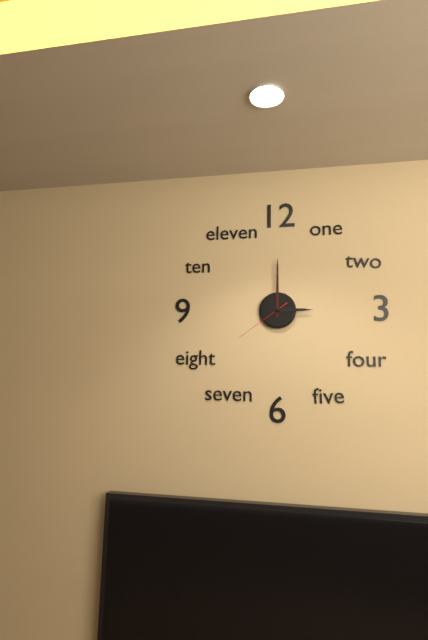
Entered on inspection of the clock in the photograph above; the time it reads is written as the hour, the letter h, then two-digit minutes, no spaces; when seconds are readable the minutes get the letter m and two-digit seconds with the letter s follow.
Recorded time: 3h00m39s
